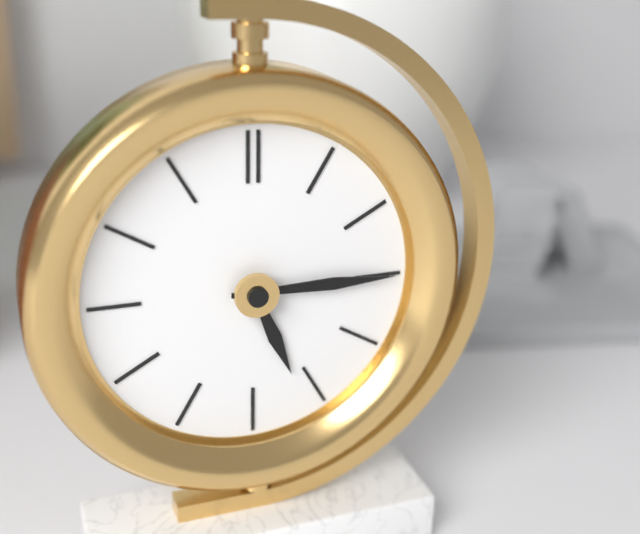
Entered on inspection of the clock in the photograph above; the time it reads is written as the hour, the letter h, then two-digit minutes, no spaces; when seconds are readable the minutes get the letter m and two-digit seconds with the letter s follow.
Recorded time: 5h15
